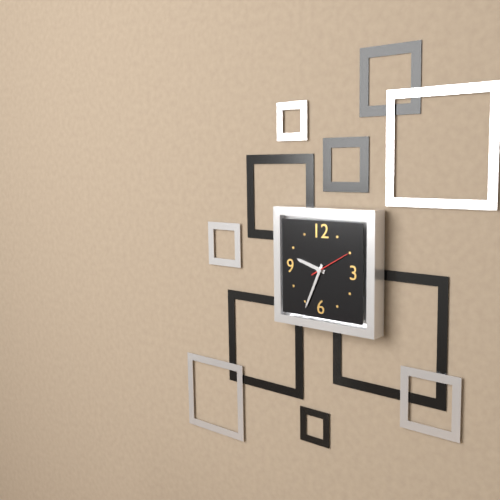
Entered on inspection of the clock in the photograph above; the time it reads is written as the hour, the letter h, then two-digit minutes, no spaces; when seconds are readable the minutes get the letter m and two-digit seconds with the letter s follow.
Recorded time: 9h34
